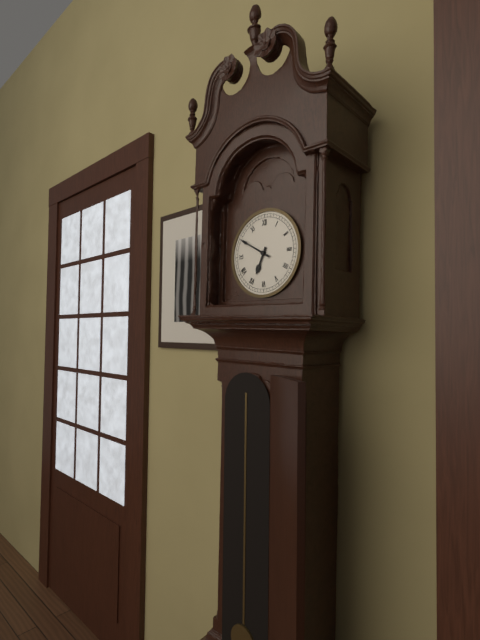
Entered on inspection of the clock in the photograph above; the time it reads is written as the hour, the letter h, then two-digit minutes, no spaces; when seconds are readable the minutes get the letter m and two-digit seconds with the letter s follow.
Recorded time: 6h50
